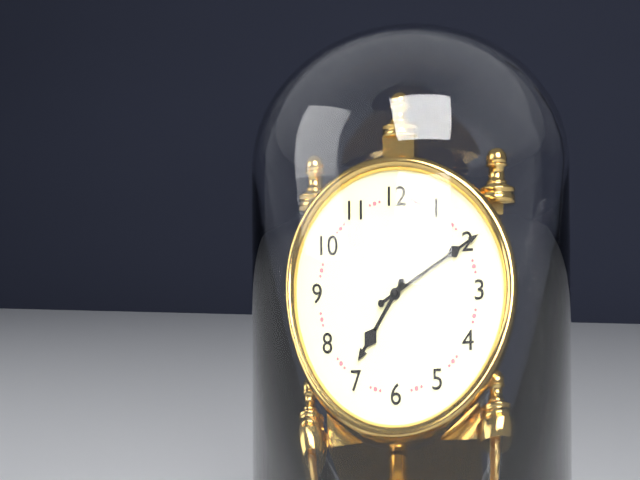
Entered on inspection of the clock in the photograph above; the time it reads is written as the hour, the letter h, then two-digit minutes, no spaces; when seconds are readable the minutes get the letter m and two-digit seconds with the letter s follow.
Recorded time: 7h10
